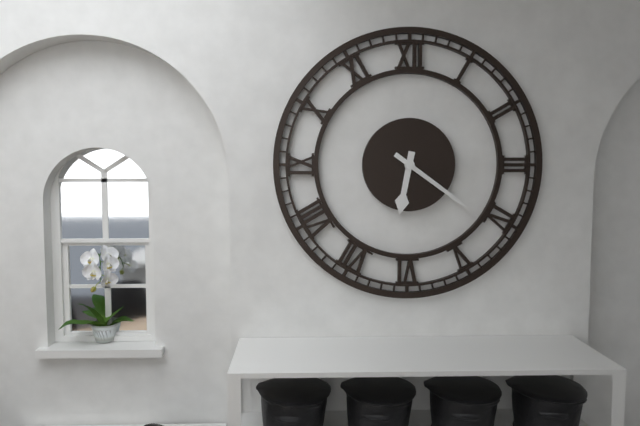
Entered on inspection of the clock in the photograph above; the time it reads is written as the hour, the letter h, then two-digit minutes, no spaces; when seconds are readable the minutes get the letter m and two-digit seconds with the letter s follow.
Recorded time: 6h21
